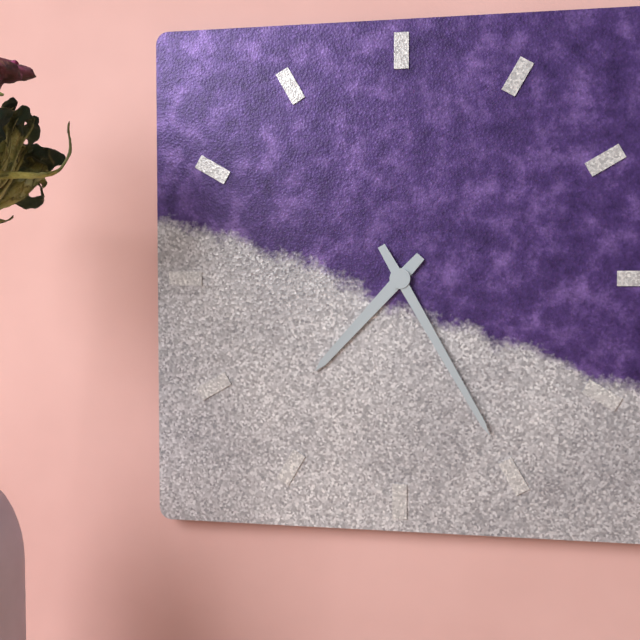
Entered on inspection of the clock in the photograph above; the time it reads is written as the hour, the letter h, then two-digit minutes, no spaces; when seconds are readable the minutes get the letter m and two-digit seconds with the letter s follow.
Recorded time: 7h25
